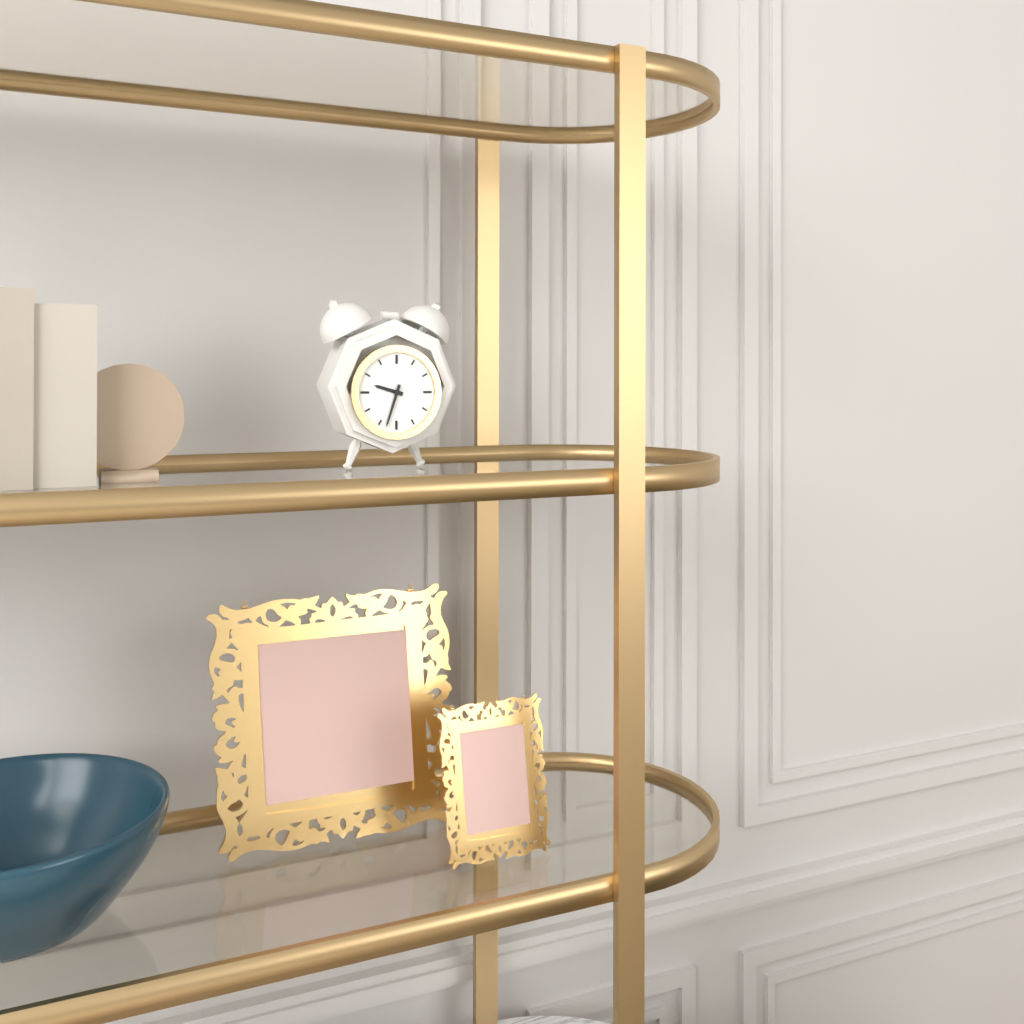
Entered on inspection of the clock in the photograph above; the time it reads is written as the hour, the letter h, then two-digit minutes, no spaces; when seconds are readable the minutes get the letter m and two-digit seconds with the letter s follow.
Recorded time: 9h33
